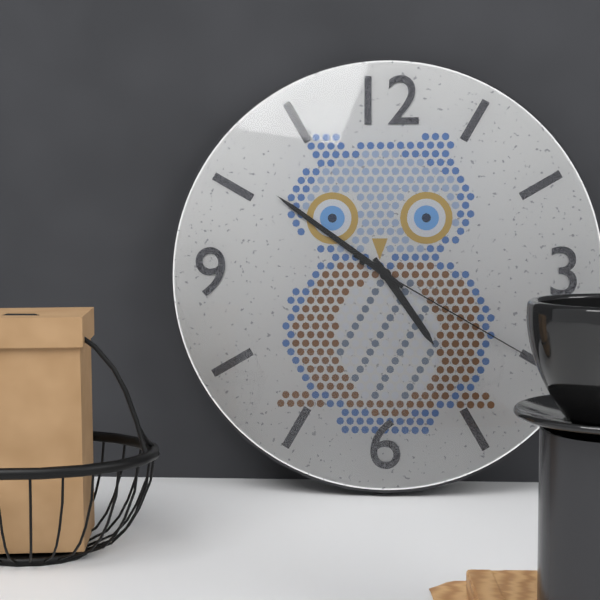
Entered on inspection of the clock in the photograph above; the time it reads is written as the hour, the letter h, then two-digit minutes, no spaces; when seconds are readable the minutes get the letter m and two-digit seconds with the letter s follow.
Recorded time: 4h51m20s
